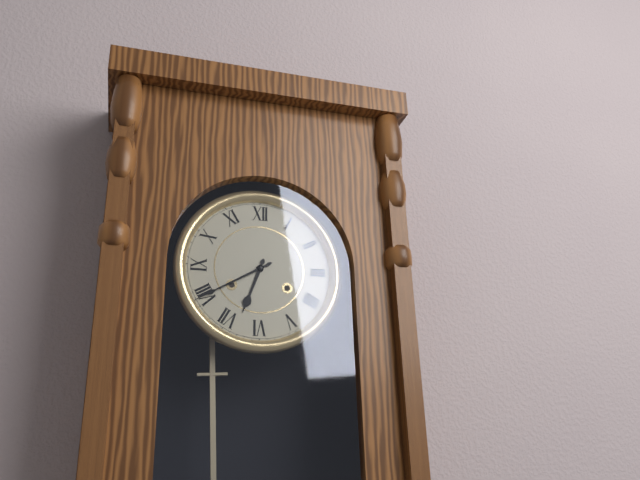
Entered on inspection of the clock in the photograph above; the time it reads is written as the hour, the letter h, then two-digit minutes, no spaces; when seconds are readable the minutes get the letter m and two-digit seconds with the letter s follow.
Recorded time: 6h40
